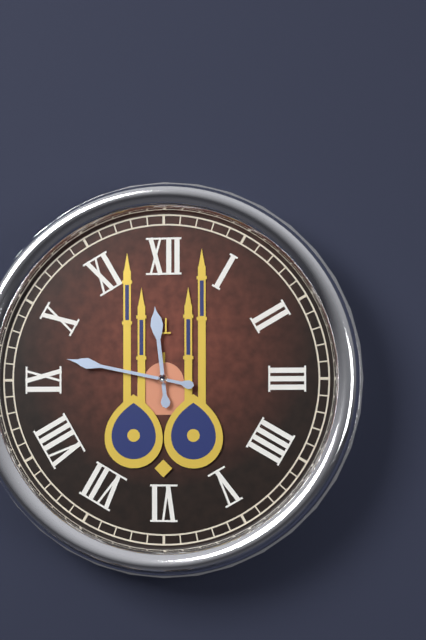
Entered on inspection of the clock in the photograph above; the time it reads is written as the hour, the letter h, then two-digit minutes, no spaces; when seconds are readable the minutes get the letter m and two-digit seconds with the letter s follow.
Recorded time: 11h47
